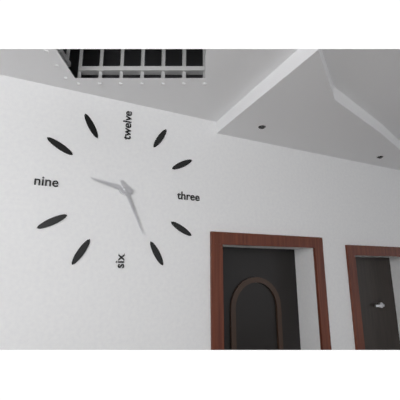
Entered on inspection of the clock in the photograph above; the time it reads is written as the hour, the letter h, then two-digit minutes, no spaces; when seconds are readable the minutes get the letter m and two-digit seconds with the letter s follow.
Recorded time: 9h26
